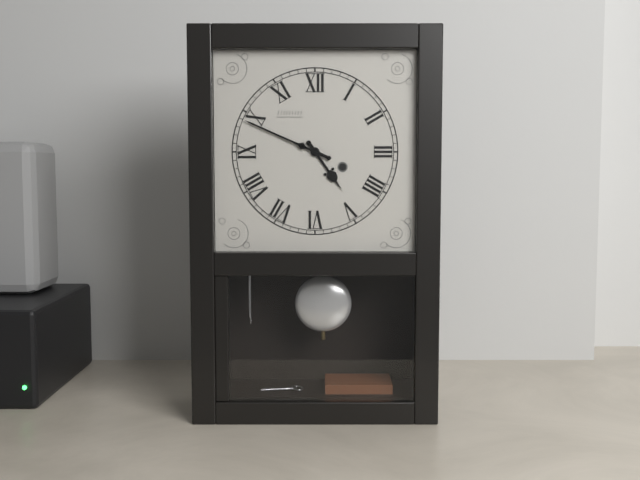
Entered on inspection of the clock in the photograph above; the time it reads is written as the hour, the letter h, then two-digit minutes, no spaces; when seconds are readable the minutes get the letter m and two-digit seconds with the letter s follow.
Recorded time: 4h49
